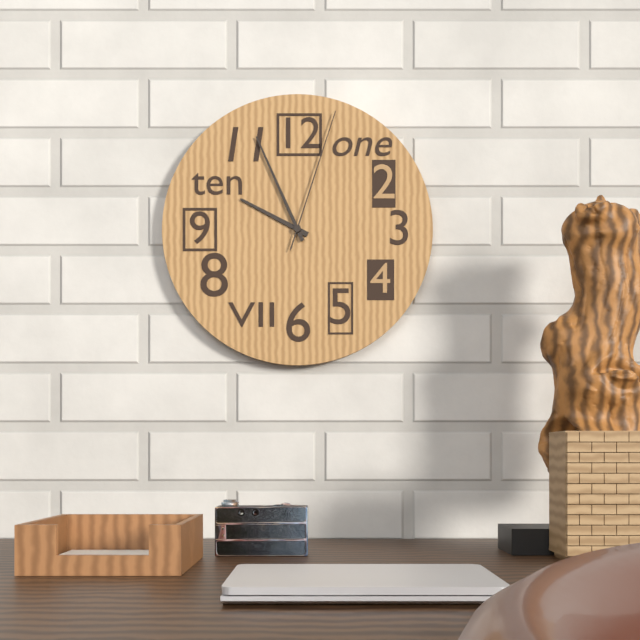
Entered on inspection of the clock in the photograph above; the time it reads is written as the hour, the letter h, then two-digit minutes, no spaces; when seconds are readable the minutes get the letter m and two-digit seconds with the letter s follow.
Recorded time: 9h56m03s
